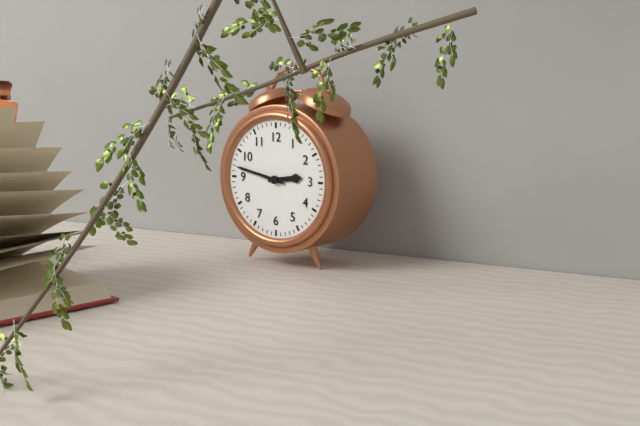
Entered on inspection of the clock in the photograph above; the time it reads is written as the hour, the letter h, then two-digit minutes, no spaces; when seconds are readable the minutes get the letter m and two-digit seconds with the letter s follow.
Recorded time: 2h47
